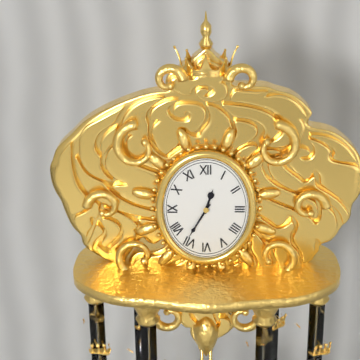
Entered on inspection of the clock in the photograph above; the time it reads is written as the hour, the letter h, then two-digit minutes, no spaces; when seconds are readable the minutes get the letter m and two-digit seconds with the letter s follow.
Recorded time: 12h35
